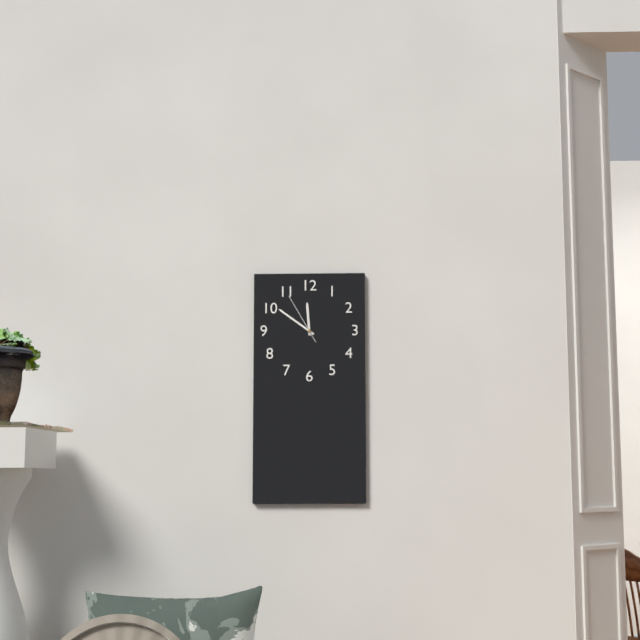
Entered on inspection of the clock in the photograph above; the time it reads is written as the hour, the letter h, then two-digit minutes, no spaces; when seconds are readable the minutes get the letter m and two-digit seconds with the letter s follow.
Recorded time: 11h51m55s
